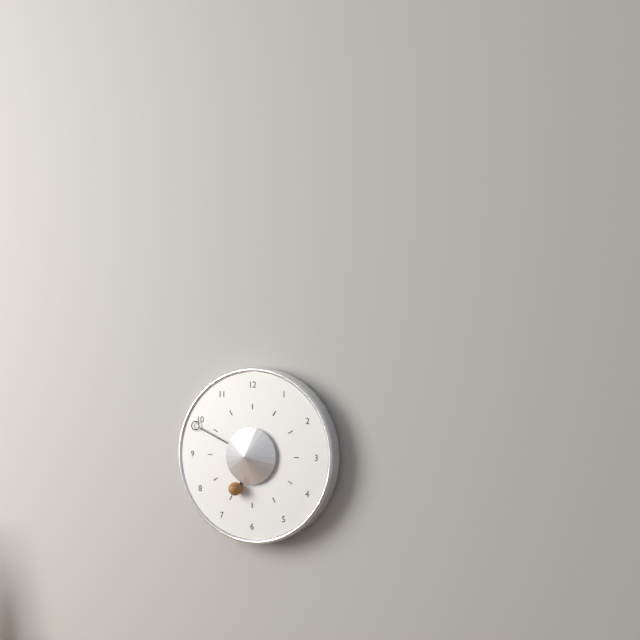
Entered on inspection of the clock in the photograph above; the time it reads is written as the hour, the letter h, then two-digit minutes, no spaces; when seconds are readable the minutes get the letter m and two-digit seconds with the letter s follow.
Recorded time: 6h49
